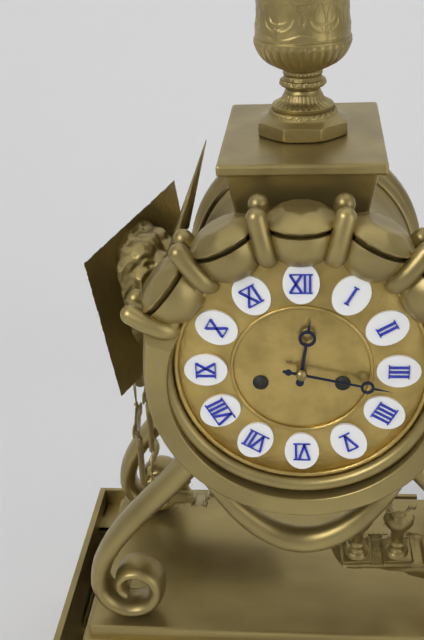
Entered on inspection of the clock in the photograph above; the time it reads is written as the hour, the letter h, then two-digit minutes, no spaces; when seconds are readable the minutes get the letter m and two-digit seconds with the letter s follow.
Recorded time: 12h17
